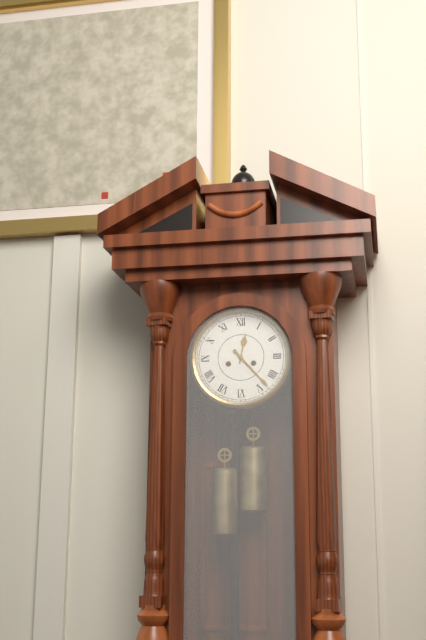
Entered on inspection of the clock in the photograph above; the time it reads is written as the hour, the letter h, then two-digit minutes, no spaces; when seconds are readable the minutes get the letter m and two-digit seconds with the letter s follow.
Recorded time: 12h23
